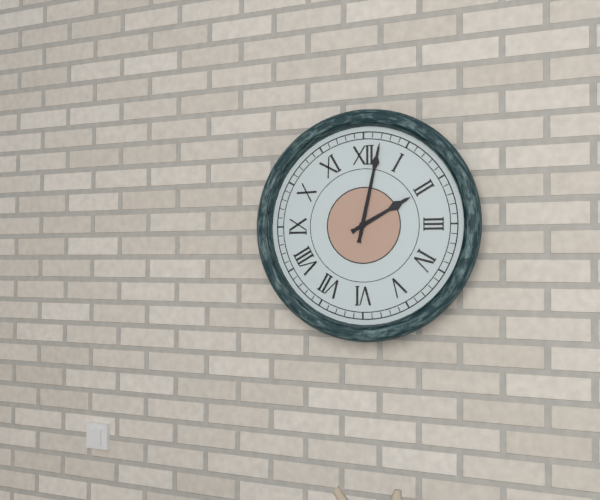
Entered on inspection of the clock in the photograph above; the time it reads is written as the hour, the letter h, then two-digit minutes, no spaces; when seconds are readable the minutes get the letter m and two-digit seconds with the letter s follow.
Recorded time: 2h02
